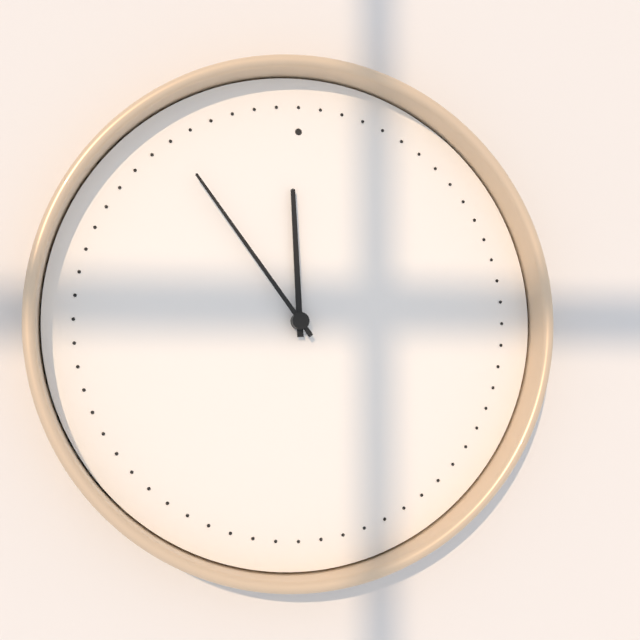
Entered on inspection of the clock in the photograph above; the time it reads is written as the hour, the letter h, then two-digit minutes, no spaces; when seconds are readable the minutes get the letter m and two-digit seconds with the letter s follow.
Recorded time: 11h54
